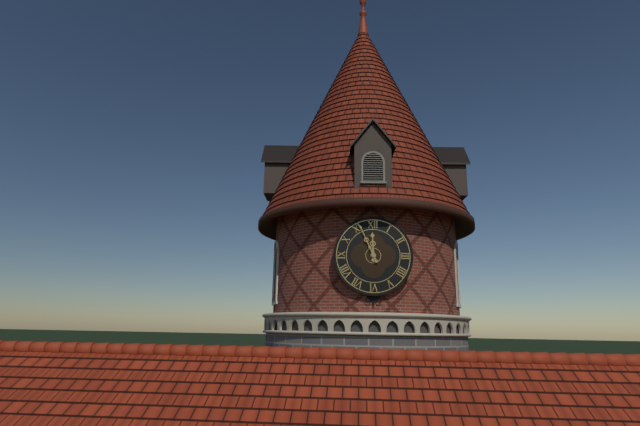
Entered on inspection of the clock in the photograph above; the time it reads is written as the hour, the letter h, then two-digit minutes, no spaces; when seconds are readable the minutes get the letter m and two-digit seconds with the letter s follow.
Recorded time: 11h56
